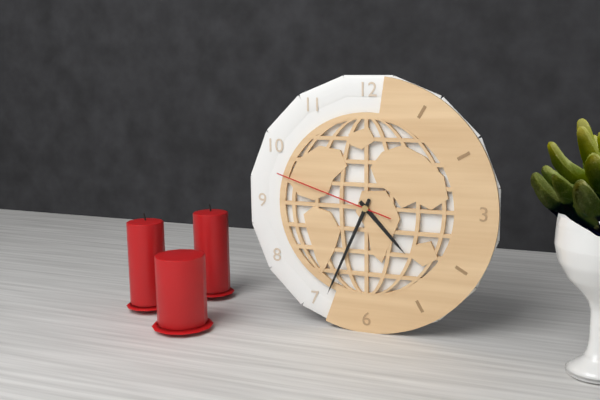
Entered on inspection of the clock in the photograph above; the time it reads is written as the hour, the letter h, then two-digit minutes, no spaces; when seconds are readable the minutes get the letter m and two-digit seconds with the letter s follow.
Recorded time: 4h34m48s
